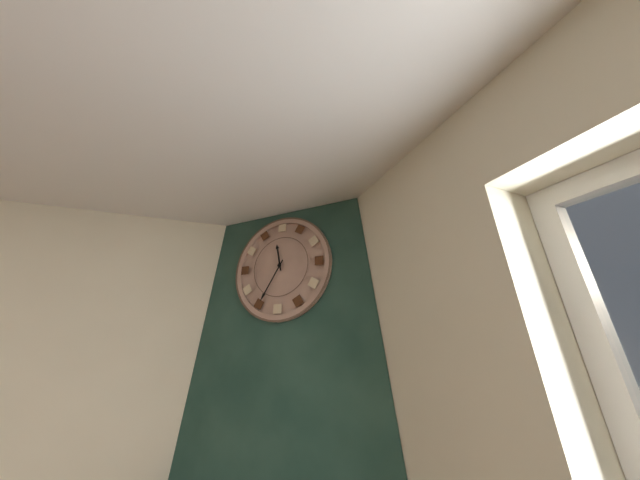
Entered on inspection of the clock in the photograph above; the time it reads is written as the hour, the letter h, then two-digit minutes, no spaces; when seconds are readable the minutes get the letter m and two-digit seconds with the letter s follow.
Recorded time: 11h35
